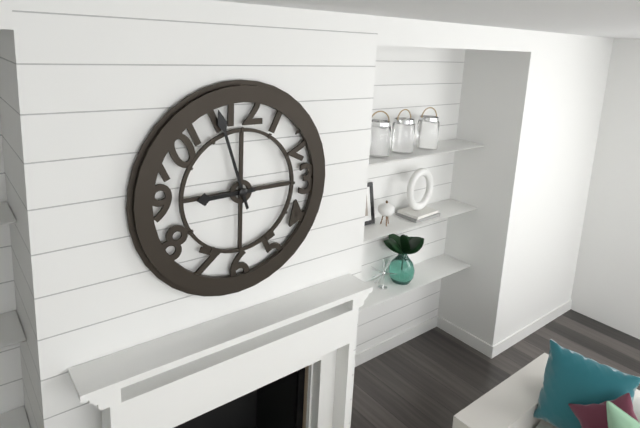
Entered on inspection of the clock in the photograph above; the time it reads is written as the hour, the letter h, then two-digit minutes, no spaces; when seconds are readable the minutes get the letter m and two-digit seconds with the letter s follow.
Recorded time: 8h57
